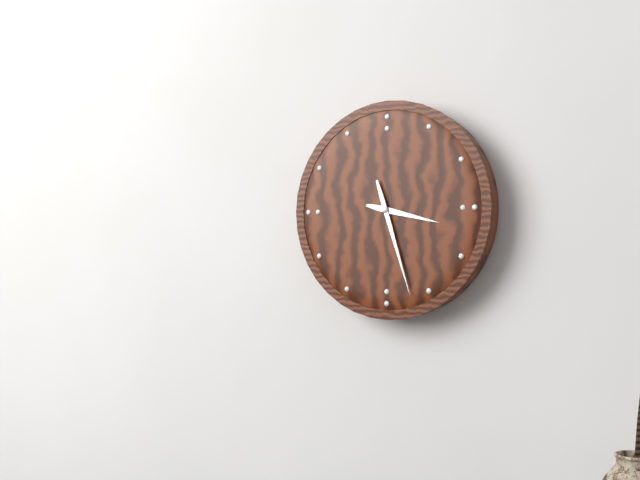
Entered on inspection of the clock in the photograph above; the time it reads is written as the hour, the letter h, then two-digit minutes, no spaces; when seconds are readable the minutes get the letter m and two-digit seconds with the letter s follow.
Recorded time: 3h27
